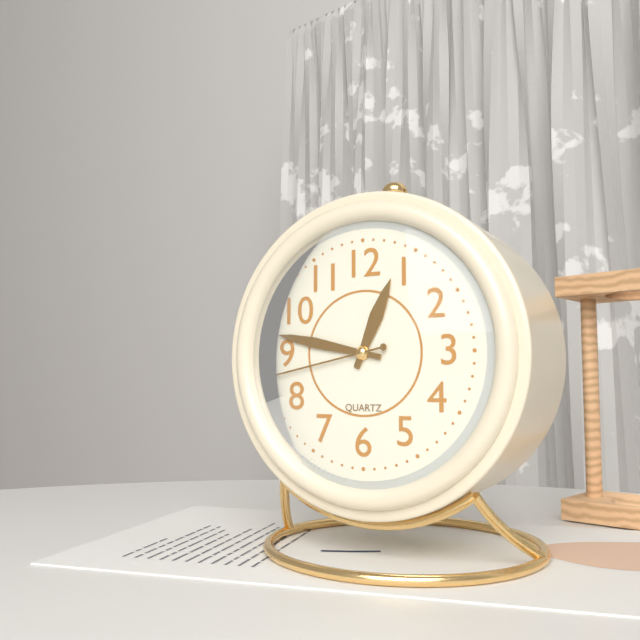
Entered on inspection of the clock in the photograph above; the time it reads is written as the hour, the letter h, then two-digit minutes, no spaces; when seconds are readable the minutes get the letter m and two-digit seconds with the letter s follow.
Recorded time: 12h47m43s
